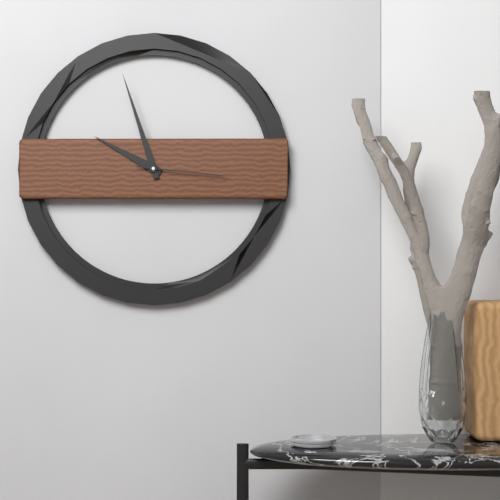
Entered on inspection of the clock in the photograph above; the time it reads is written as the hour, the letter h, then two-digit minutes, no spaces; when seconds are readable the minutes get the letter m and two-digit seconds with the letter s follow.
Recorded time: 9h57m16s
